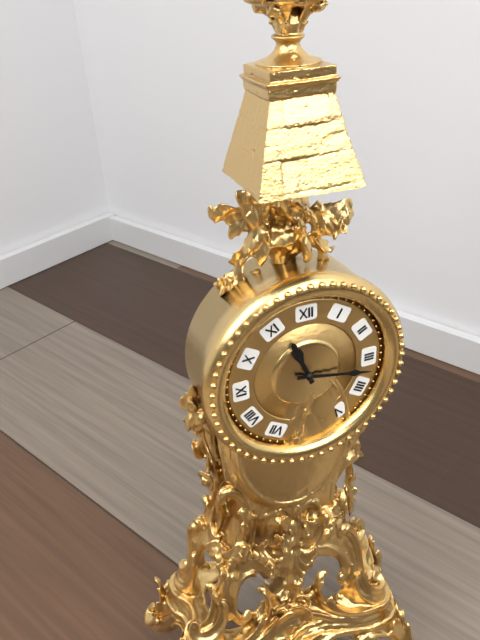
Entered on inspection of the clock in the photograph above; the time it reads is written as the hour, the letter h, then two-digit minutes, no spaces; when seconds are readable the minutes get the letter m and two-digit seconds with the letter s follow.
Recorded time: 11h17
